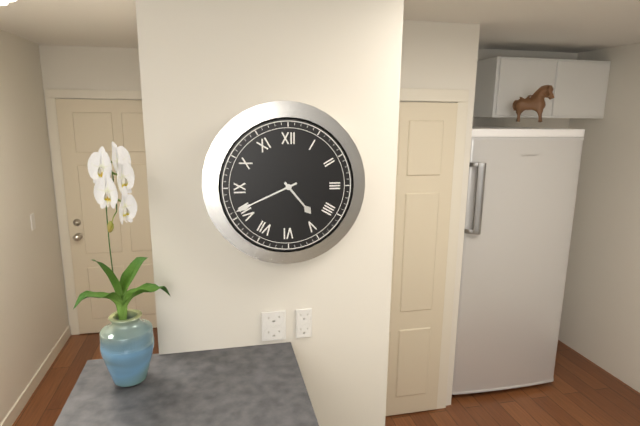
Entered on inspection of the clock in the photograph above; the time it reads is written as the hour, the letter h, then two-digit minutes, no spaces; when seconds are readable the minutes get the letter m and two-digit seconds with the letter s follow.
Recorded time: 4h41
